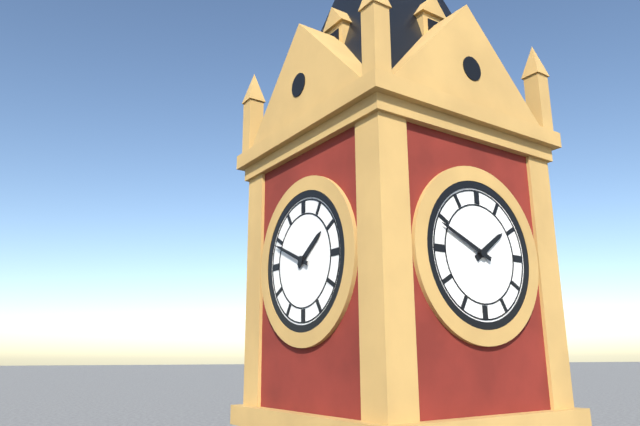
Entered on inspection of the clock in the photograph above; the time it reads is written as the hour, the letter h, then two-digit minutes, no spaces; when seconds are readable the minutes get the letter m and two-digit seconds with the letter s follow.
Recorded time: 1h49
